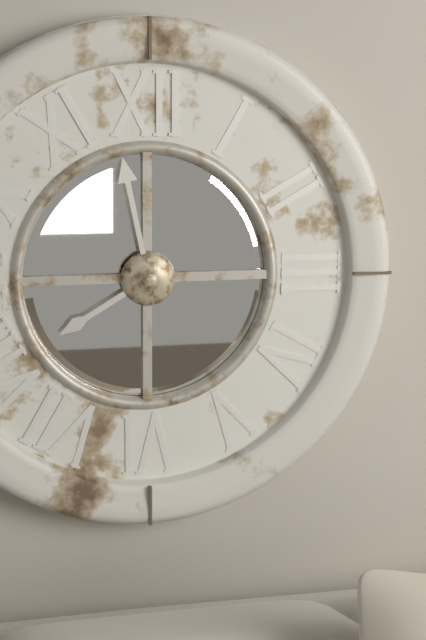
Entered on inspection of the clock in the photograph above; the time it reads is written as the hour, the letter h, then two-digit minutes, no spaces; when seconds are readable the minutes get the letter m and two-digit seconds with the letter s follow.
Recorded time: 7h58
